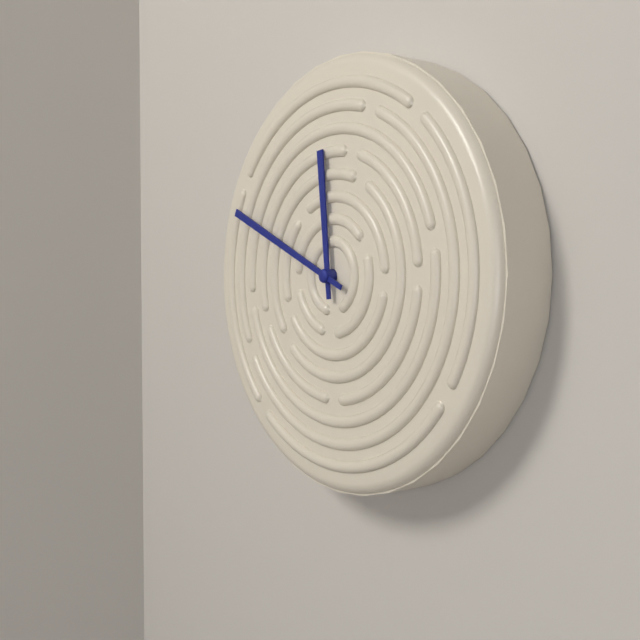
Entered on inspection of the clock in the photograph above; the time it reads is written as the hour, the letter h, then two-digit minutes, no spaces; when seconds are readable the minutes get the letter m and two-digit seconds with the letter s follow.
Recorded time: 11h49
